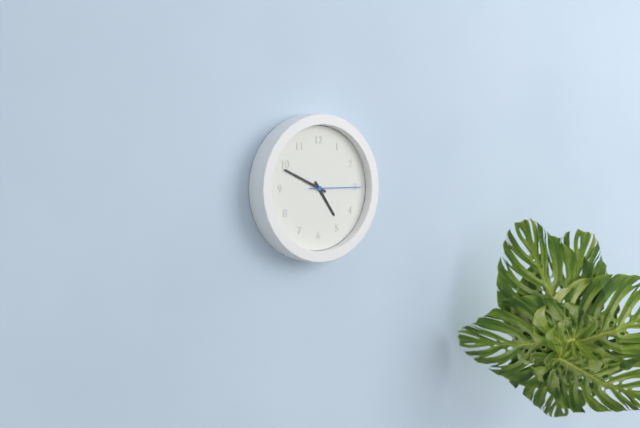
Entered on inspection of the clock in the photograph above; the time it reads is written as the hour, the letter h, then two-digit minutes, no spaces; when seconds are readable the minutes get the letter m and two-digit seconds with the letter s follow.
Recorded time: 4h49m15s
